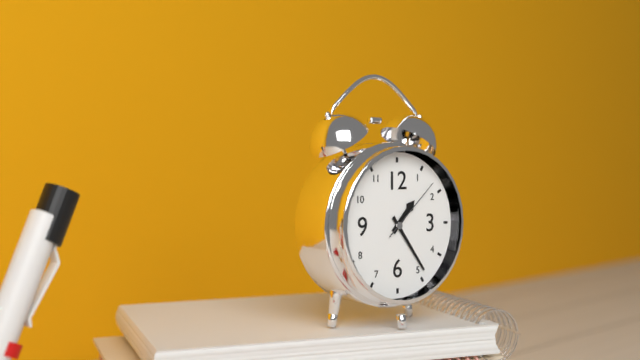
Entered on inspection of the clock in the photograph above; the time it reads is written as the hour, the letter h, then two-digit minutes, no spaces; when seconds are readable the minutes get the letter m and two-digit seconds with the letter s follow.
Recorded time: 1h24m08s
